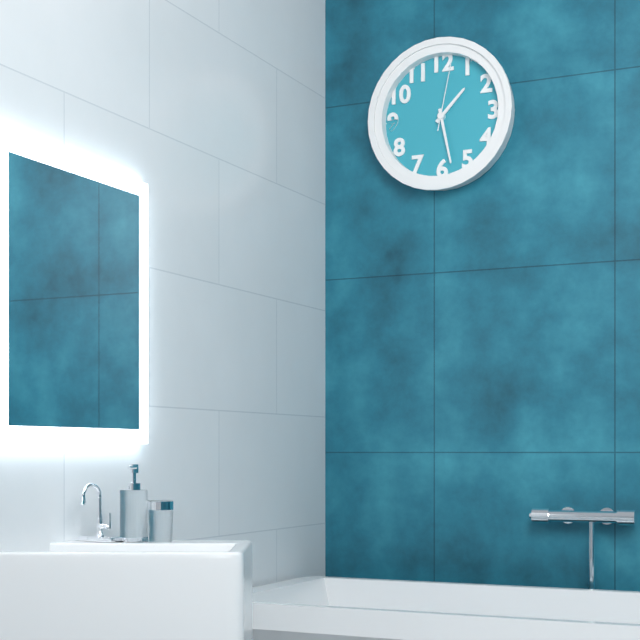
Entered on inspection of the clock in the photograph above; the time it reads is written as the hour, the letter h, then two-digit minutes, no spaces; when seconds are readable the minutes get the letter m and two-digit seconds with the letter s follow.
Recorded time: 1h28m02s
